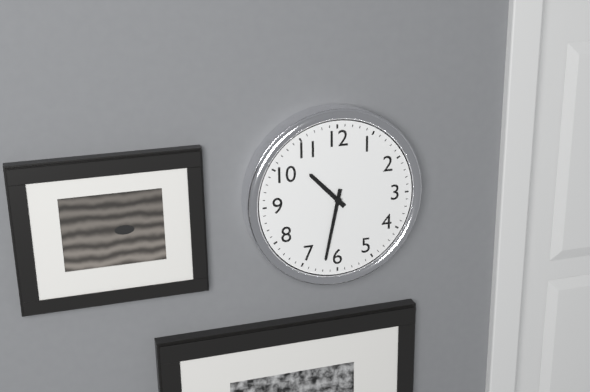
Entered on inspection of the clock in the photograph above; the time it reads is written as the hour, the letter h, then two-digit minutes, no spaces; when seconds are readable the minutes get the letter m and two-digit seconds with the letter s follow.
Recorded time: 10h32
